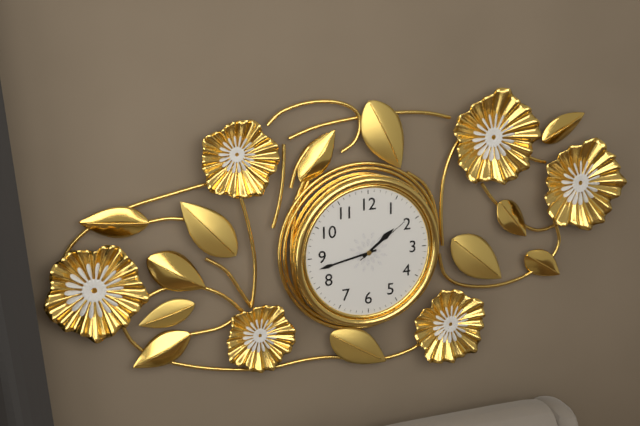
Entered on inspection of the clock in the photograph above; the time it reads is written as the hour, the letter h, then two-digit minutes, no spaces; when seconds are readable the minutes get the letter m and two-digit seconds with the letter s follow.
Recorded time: 1h43m09s
